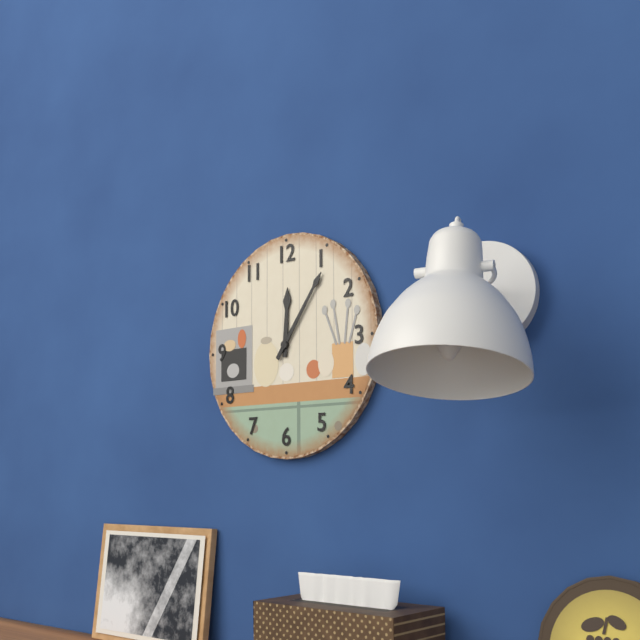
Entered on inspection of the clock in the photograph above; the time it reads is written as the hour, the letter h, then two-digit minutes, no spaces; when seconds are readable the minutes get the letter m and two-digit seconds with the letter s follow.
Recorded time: 12h06
